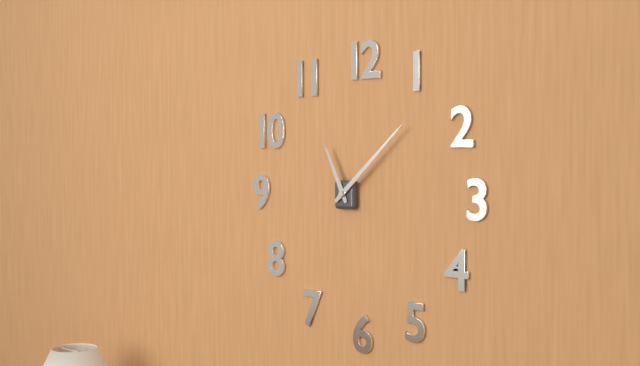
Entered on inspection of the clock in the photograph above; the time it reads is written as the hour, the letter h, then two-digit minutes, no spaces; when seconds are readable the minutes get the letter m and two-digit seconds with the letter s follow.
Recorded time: 11h08
